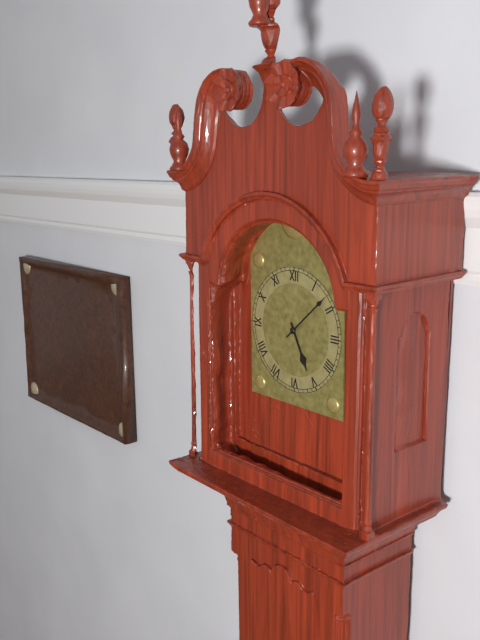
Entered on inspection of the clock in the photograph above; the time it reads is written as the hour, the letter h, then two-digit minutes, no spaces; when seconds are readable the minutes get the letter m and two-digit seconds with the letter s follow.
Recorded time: 5h08
